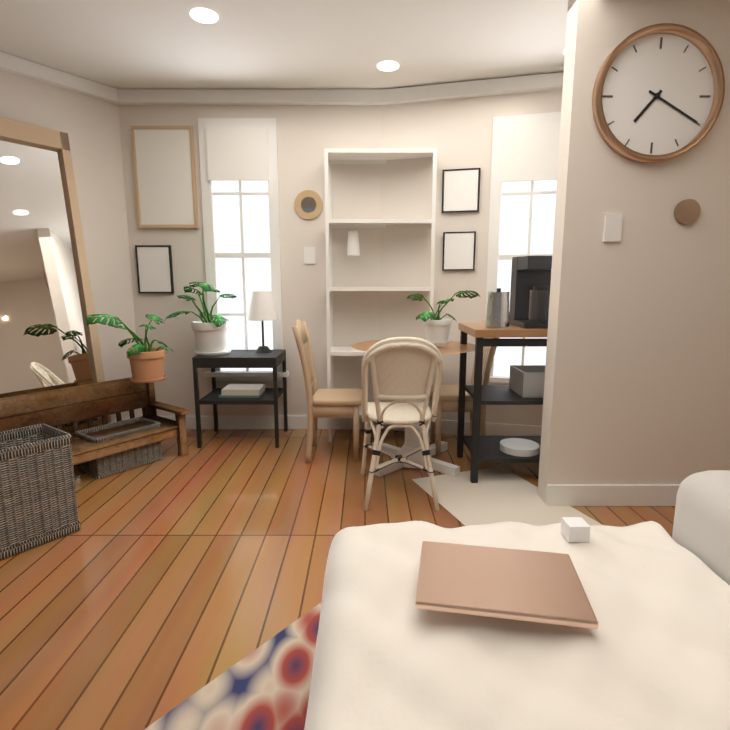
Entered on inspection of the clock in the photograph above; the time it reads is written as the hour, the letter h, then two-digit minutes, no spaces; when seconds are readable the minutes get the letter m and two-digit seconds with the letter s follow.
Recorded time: 7h20
